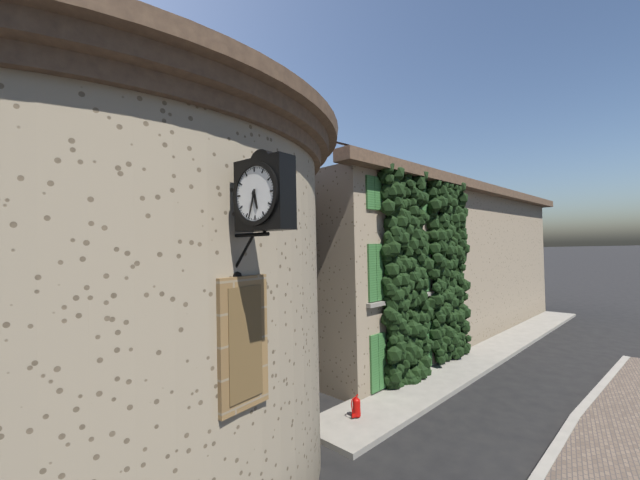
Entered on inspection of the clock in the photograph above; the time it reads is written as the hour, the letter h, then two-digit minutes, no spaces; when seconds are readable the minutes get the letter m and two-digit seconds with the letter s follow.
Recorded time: 5h33
